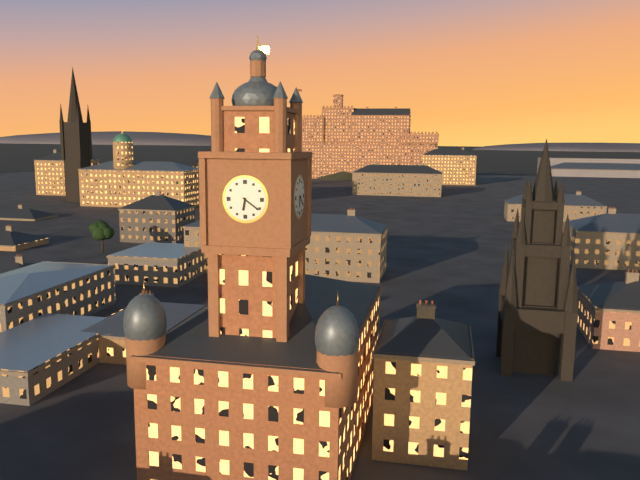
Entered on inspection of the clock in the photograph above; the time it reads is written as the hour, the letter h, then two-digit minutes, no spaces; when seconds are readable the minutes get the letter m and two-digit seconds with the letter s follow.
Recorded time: 6h21
